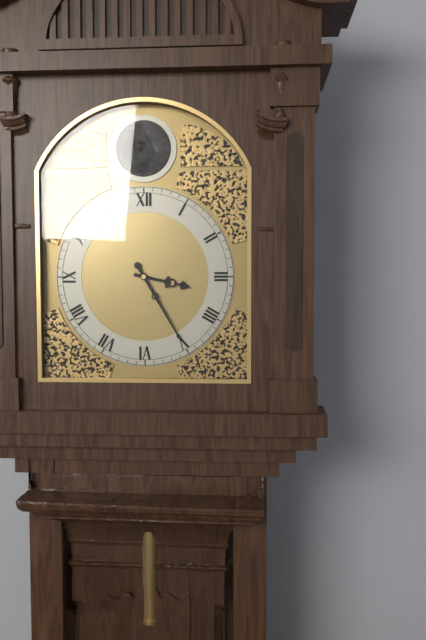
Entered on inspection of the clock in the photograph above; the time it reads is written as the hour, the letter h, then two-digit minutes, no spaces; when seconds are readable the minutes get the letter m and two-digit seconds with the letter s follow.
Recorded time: 3h25
